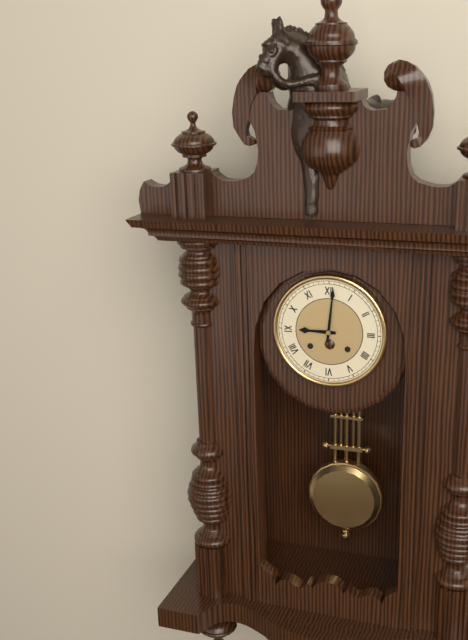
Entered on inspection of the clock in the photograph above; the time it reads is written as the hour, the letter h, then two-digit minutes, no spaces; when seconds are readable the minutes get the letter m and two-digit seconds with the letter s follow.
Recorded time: 9h01
